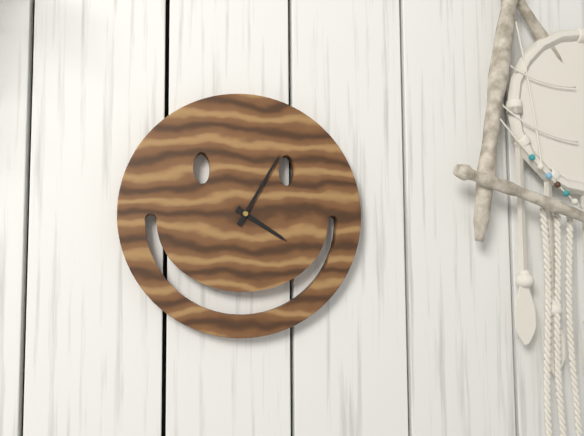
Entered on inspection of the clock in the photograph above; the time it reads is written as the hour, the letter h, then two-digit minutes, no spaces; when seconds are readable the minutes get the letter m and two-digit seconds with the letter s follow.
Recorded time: 4h05
